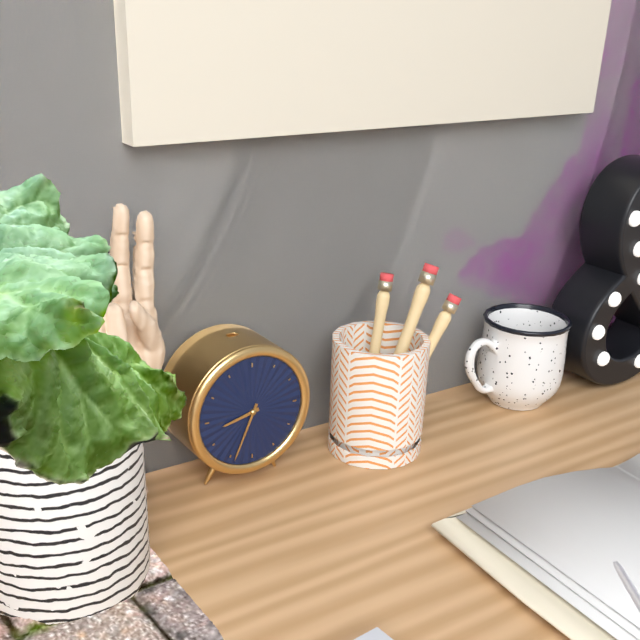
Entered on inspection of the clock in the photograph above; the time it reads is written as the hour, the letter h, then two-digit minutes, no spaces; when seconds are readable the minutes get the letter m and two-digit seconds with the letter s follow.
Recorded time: 8h34
